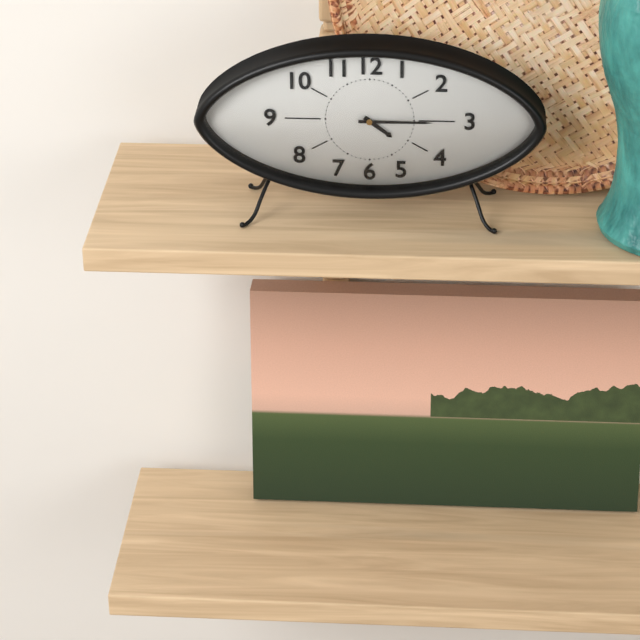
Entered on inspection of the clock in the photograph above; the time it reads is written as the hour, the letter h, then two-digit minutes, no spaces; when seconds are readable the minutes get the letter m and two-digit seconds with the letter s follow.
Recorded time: 4h15
